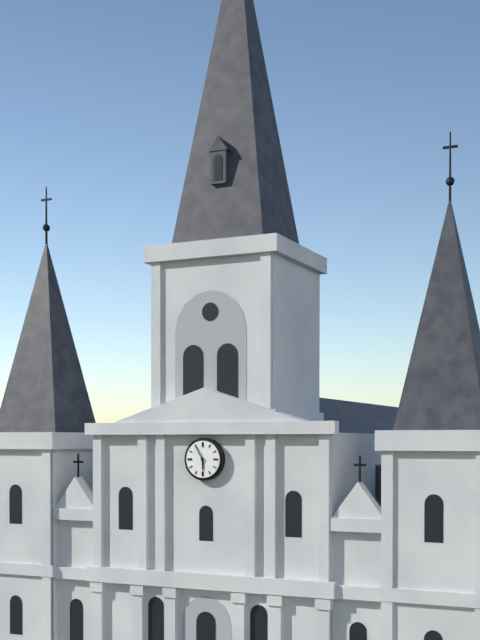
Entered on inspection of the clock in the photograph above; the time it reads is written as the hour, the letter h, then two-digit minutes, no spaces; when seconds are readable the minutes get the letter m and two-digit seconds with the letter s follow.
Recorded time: 5h55
